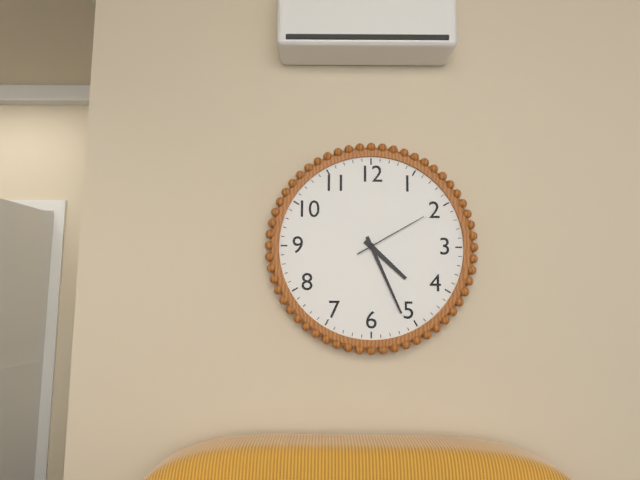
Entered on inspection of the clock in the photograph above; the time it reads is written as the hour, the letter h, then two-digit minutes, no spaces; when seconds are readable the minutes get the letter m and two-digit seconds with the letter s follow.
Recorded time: 4h26m10s
